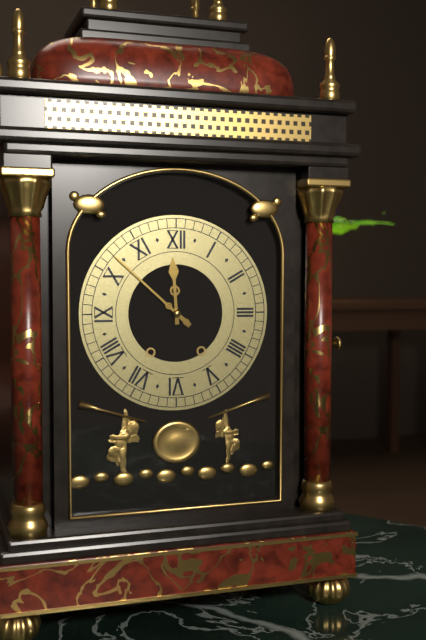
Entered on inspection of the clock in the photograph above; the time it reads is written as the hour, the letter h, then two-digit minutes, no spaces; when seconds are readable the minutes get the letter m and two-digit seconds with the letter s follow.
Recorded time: 11h52
